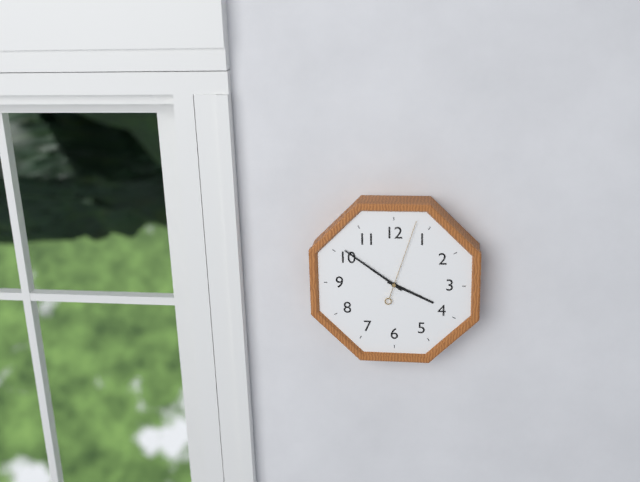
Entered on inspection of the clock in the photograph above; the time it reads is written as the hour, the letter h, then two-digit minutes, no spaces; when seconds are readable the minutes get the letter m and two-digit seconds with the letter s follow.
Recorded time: 3h51m03s
